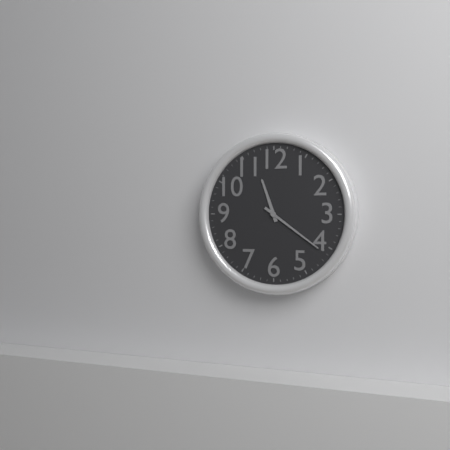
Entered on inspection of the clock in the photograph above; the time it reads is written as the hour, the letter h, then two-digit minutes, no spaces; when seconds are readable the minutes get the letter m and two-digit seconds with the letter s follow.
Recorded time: 11h21
